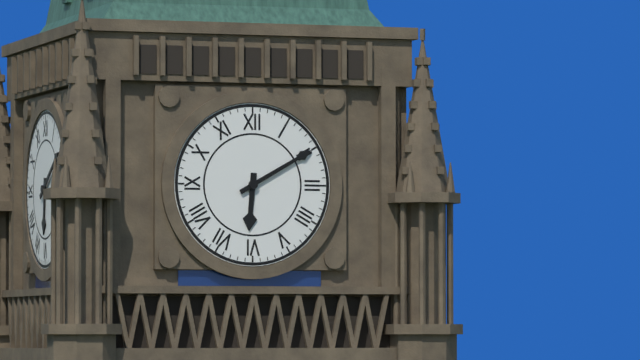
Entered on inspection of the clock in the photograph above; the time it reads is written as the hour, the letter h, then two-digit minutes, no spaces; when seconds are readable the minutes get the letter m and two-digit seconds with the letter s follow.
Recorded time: 6h10
